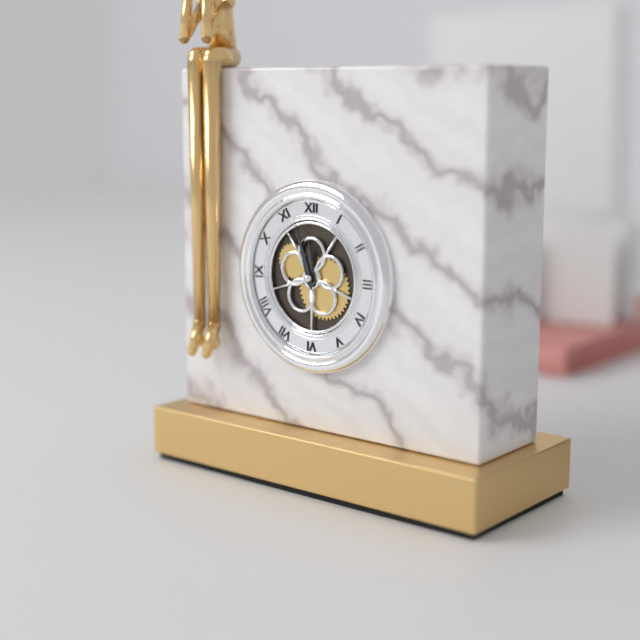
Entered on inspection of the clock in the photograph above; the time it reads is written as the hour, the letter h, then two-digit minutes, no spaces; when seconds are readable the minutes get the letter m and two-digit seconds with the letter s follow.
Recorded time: 11h57
